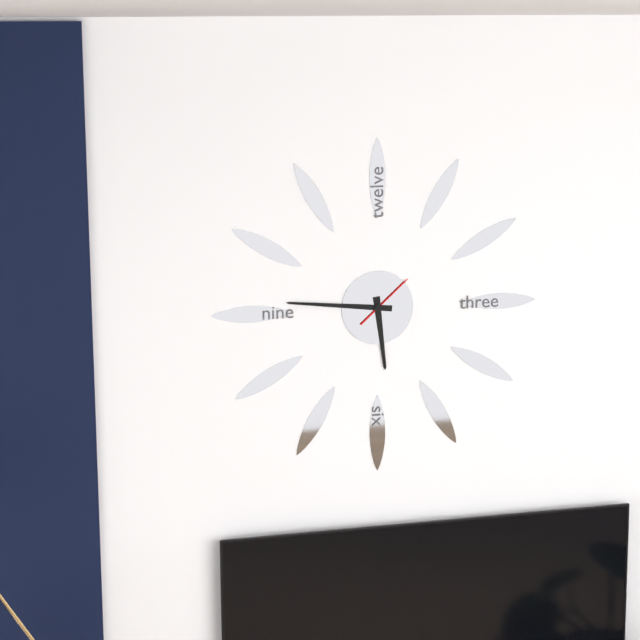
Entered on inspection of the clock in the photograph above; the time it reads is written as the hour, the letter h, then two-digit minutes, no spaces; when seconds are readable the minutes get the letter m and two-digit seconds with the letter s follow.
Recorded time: 5h46m08s
